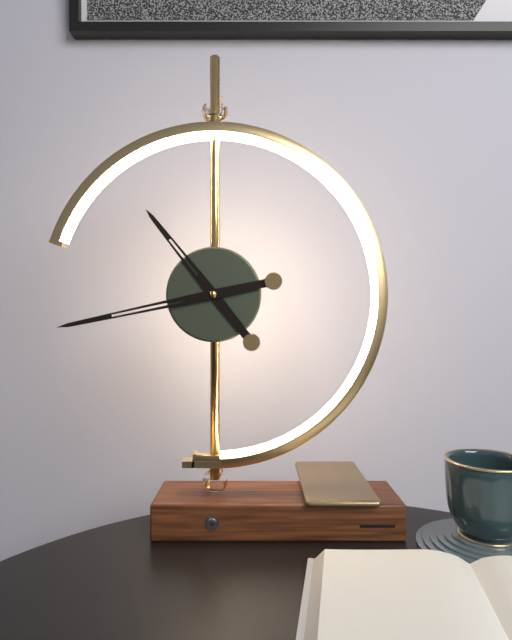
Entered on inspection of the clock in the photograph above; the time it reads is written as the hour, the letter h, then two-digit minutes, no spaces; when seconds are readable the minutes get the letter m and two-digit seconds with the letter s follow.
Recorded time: 10h43
